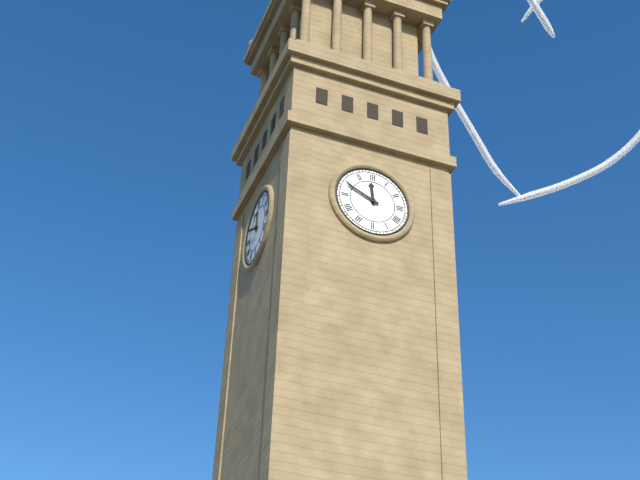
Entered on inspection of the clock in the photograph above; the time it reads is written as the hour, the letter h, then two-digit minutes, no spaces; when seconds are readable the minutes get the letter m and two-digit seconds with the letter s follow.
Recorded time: 11h49
